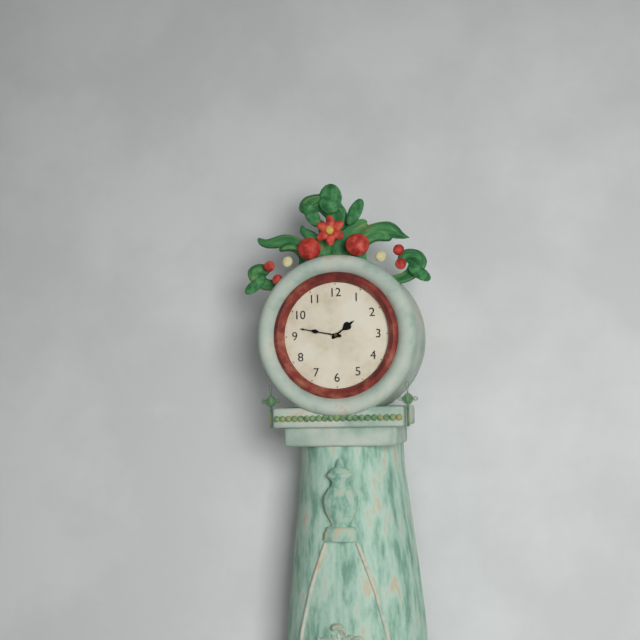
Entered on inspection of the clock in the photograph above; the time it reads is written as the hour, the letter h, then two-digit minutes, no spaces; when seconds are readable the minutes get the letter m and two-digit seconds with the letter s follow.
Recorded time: 1h47
